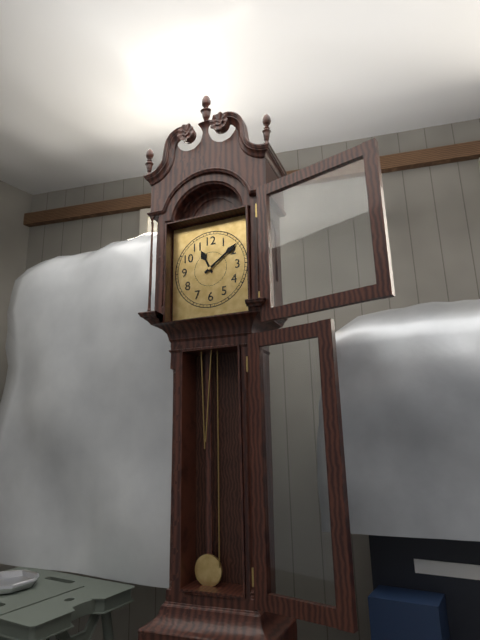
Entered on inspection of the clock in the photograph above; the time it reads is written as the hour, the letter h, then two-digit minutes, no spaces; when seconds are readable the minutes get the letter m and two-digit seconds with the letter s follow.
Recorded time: 11h09
